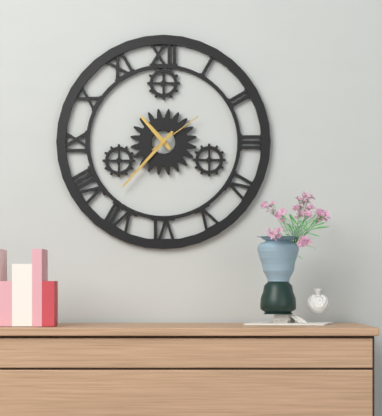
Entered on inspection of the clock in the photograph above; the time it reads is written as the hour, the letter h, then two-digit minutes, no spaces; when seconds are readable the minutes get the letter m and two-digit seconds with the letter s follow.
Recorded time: 10h37m09s
